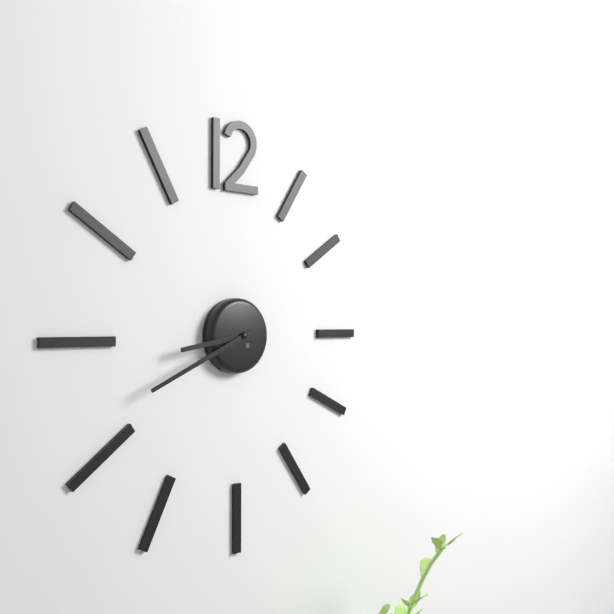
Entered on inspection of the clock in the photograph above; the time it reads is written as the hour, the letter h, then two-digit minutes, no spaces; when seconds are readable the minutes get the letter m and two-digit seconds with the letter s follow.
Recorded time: 8h41
